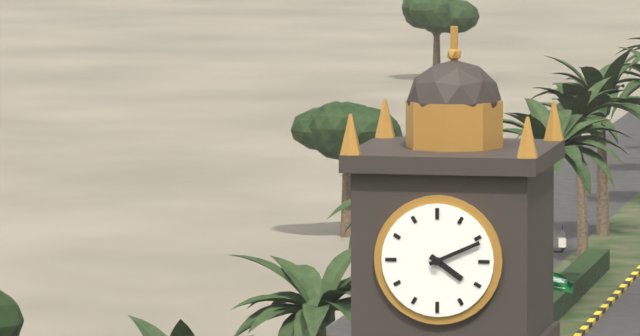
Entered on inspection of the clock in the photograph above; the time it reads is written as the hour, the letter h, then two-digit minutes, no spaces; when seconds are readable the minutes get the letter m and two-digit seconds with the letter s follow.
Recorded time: 4h11
